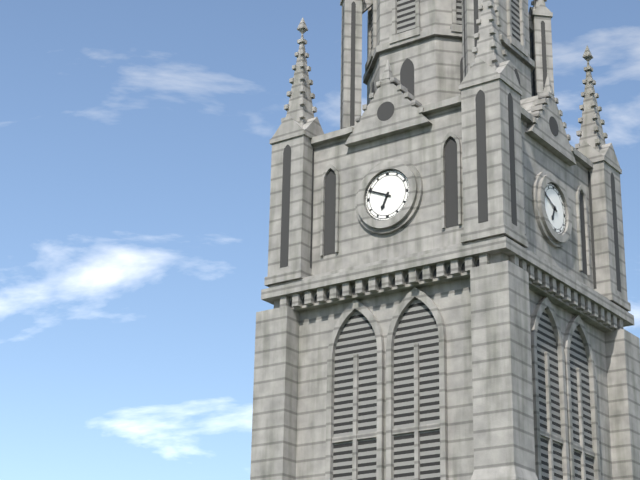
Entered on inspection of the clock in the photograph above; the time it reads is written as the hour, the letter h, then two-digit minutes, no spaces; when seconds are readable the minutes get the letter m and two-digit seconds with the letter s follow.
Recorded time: 6h49
